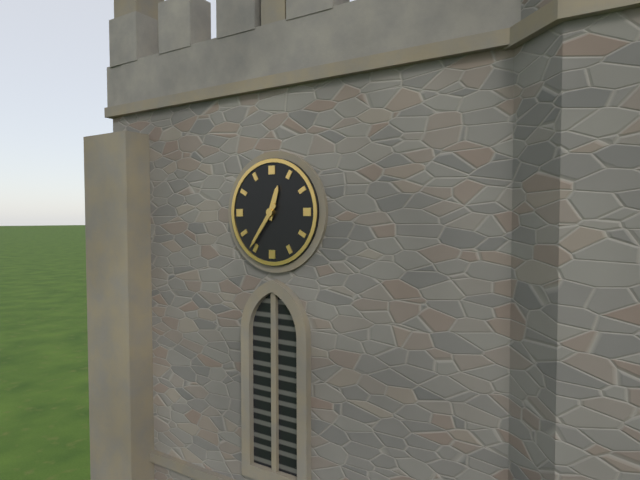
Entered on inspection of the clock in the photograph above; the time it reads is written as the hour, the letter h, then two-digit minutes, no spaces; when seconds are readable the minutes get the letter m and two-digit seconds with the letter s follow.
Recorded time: 12h36
